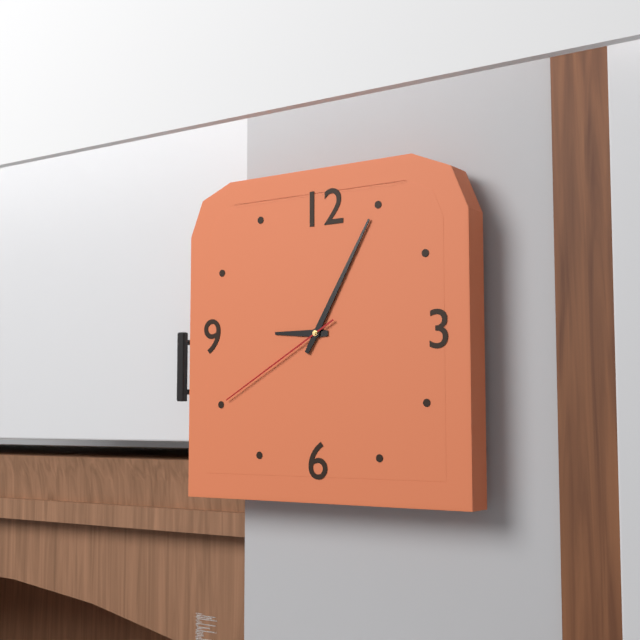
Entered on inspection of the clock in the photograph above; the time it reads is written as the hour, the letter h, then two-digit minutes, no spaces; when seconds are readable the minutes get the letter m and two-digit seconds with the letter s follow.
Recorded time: 9h05m40s
